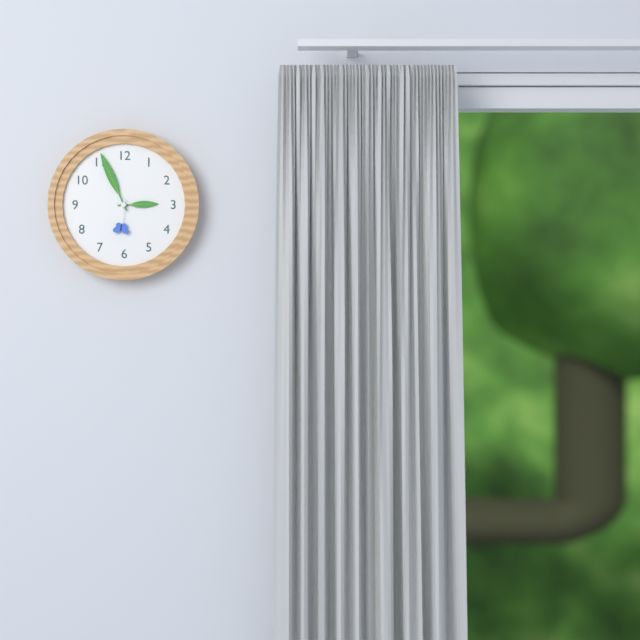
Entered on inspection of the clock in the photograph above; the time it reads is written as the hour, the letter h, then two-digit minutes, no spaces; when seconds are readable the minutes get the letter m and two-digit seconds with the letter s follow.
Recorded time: 2h56
